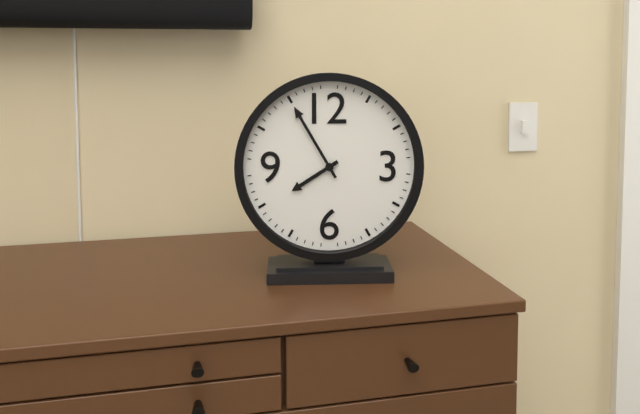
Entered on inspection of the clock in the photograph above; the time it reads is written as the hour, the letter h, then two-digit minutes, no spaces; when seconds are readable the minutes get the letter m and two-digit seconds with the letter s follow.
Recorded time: 7h55
